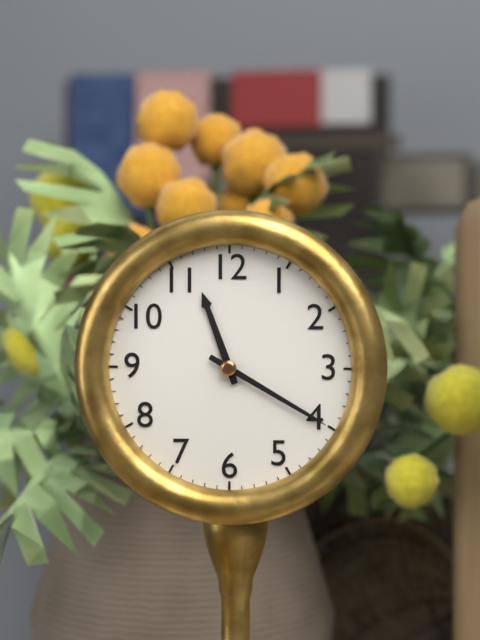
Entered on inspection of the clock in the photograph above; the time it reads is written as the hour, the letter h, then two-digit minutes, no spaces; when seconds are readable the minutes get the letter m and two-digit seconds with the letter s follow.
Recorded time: 11h20
